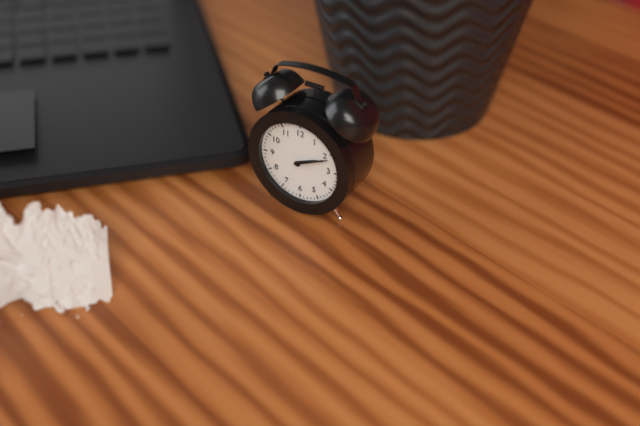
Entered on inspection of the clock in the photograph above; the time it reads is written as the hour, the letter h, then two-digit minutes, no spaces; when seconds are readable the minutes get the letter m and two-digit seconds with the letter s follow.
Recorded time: 2h11
